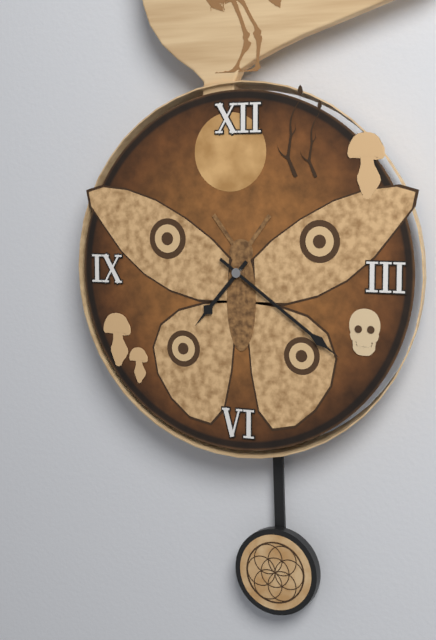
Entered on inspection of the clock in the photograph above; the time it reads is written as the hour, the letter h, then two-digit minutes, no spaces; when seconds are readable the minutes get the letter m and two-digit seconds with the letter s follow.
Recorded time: 7h21
